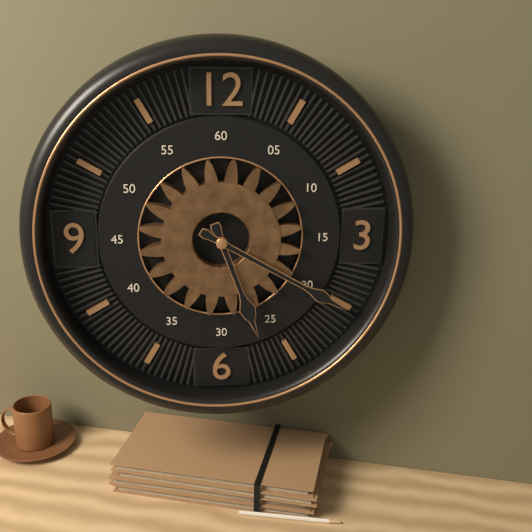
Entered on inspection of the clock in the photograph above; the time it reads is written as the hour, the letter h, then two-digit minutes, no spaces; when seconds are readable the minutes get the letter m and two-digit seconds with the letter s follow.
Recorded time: 5h20
